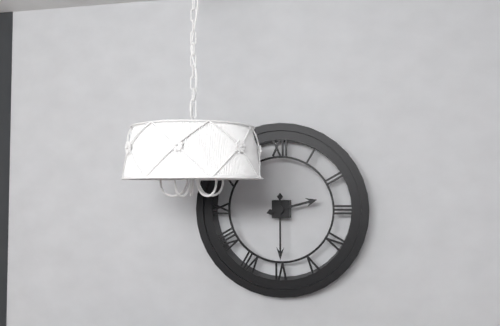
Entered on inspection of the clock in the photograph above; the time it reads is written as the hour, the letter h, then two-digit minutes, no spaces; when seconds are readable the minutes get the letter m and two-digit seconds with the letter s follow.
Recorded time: 2h30
